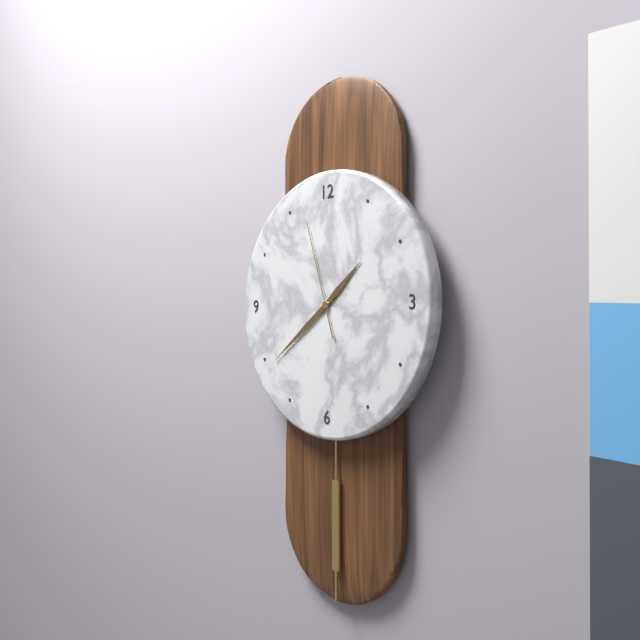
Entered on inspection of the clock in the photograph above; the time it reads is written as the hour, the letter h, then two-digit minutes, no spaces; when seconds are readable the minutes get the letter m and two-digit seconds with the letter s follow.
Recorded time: 1h39m57s
